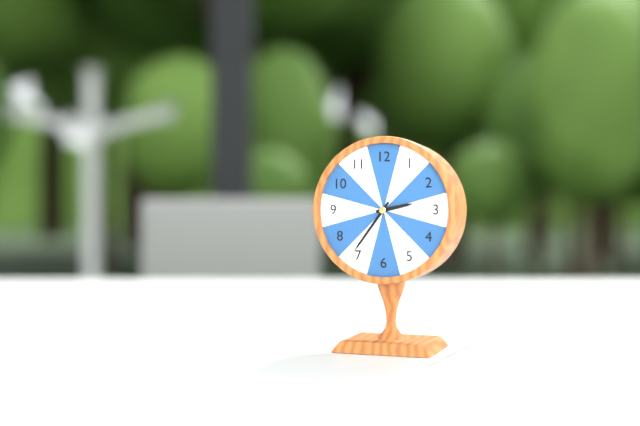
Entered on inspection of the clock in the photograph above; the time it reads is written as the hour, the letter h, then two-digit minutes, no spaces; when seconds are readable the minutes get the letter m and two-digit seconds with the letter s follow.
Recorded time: 2h36
